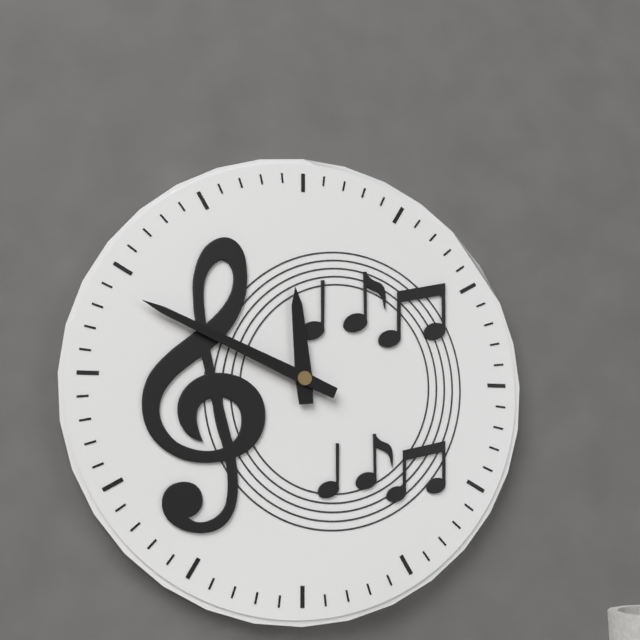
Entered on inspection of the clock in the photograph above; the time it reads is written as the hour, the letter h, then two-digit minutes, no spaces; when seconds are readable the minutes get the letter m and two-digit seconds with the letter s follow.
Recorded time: 11h49
